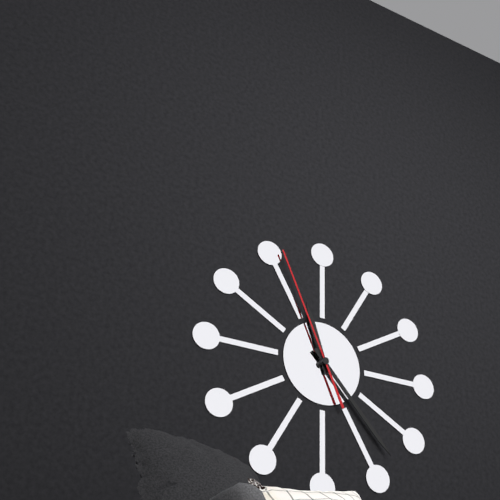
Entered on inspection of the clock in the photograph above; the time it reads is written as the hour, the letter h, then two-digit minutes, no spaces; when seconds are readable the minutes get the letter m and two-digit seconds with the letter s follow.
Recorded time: 11h23m56s
